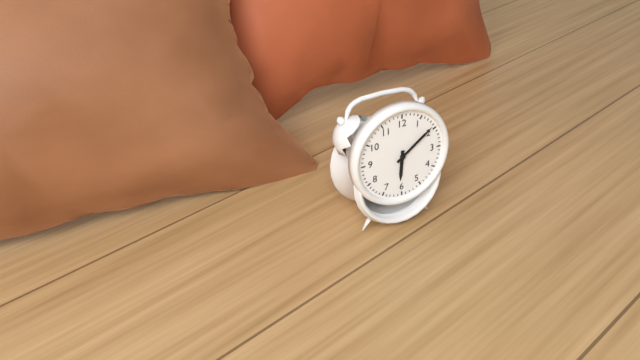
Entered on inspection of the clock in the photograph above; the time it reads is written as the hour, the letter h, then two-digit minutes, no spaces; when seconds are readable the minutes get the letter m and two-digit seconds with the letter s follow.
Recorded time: 6h09
